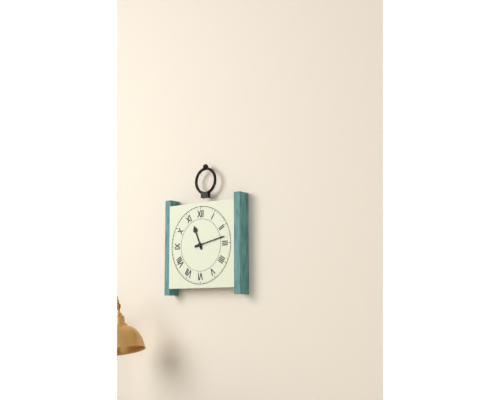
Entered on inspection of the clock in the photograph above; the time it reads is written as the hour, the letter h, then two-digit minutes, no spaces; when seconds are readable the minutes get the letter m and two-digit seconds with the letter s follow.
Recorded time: 11h13
